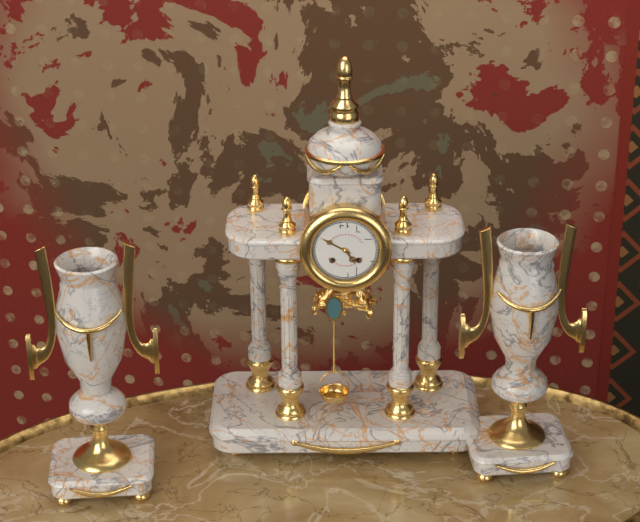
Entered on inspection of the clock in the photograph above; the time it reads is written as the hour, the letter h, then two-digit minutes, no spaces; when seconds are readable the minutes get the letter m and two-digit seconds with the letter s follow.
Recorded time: 4h50
